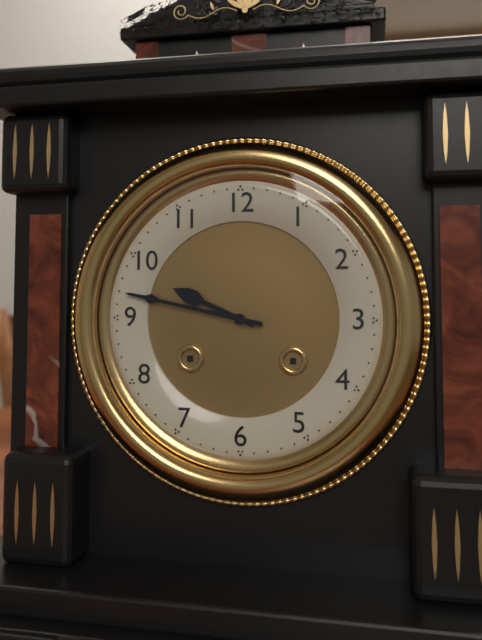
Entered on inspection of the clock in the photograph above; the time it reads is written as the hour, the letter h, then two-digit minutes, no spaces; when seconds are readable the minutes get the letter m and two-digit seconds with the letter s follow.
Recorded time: 9h47
